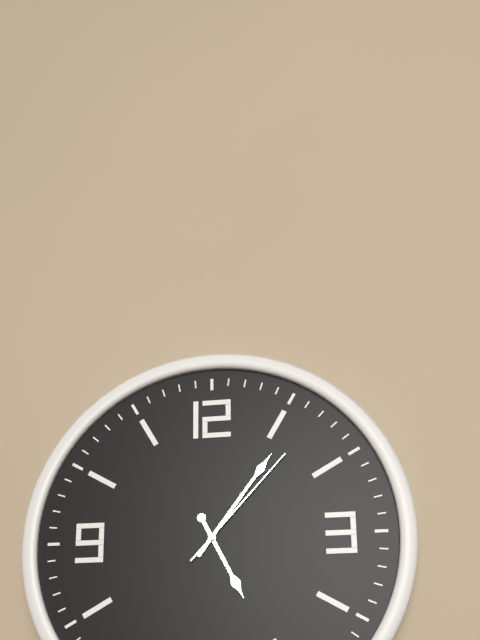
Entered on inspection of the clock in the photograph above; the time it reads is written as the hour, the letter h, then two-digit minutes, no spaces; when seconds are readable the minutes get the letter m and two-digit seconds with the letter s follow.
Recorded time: 5h06m07s
